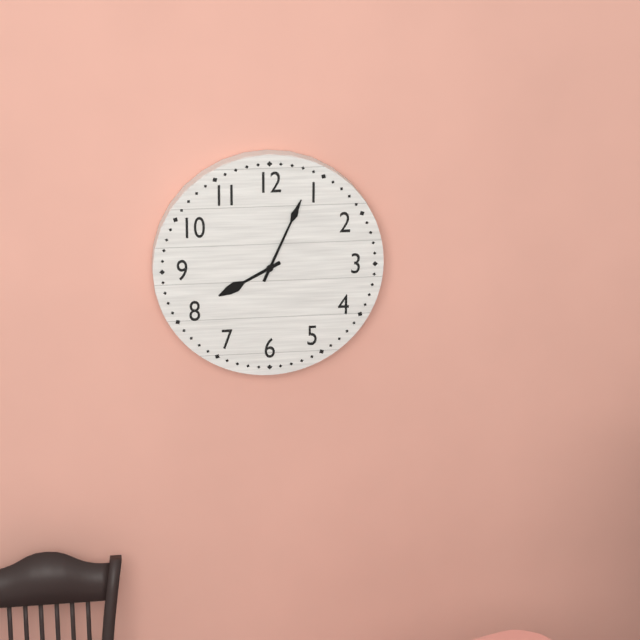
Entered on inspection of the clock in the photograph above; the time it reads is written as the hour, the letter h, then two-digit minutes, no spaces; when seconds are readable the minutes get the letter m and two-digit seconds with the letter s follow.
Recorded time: 8h04
